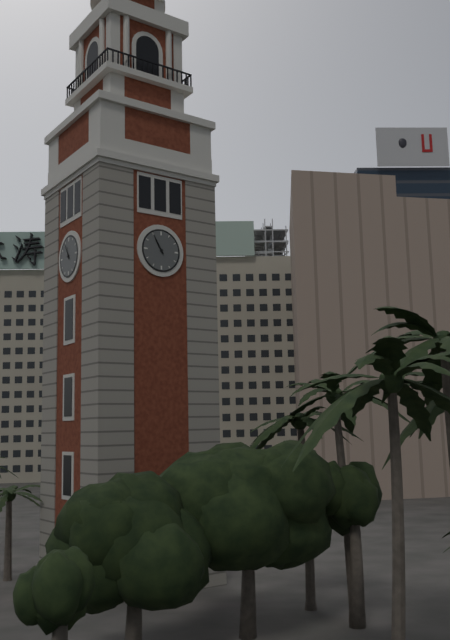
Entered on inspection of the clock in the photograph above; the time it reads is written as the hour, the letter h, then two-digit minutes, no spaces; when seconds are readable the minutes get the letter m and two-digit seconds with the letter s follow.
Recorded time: 10h55
